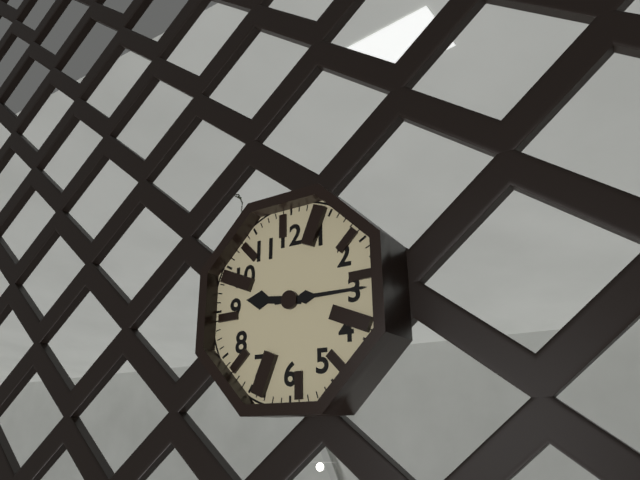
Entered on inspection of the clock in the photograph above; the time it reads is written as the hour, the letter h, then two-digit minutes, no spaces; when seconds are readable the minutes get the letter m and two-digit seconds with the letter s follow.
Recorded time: 9h15
